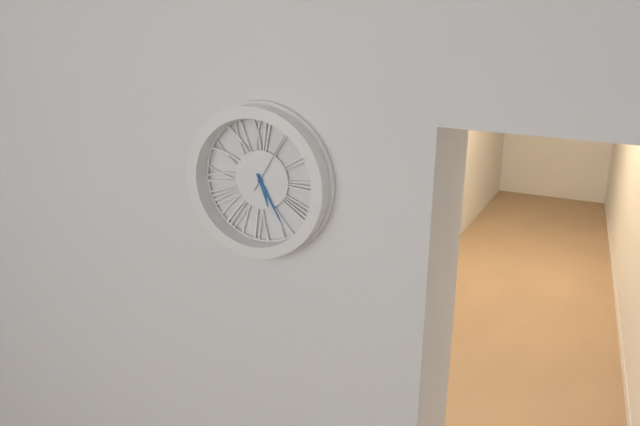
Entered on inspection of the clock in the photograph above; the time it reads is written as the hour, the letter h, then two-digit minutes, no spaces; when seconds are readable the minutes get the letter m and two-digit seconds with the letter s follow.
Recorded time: 5h25m05s
